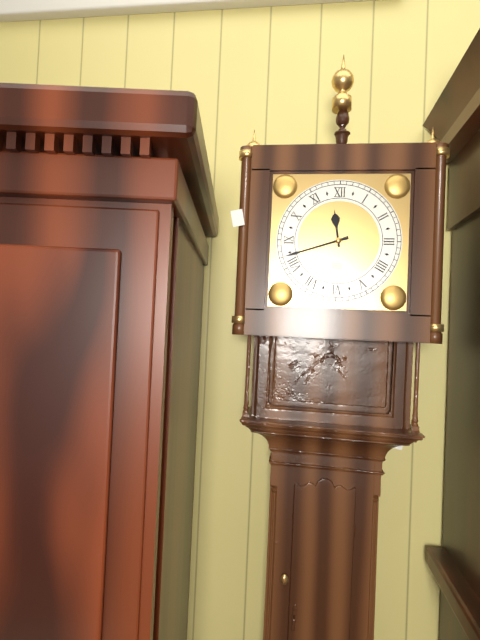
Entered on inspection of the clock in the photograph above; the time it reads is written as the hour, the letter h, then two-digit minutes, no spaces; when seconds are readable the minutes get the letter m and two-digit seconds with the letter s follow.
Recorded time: 11h42
